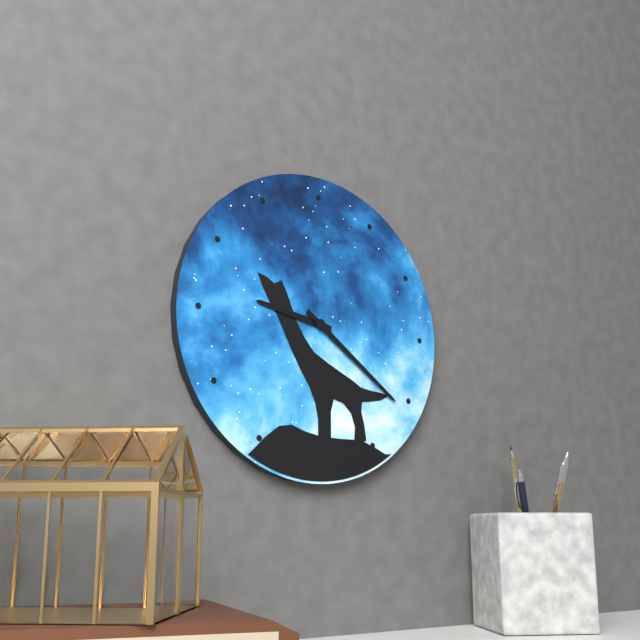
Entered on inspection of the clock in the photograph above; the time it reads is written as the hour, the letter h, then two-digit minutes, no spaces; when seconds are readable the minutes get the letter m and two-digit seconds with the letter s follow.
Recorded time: 9h21
